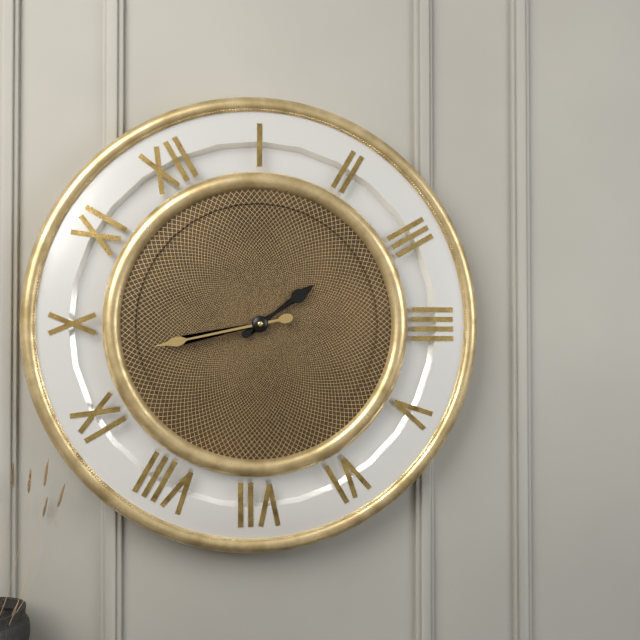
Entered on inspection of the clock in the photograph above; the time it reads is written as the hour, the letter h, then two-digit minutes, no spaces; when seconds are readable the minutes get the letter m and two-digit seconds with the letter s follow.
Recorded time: 2h48
